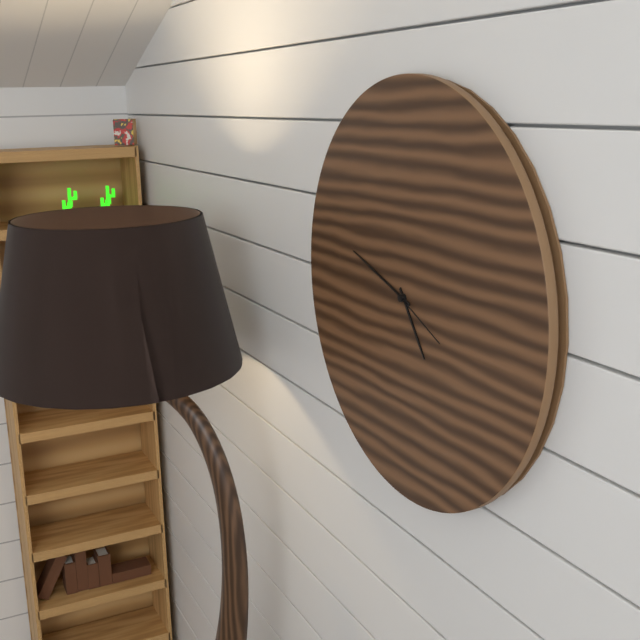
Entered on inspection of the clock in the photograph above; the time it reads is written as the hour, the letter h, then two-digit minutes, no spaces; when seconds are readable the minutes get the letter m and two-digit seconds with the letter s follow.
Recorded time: 4h48m19s
